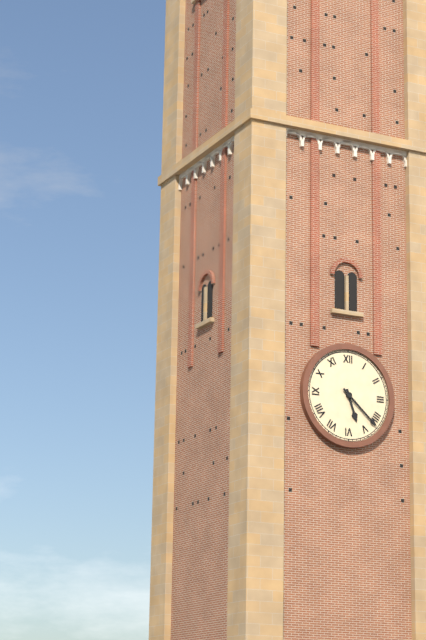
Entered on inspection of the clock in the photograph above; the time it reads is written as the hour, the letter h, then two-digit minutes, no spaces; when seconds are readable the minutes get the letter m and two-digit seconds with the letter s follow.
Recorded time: 5h22
